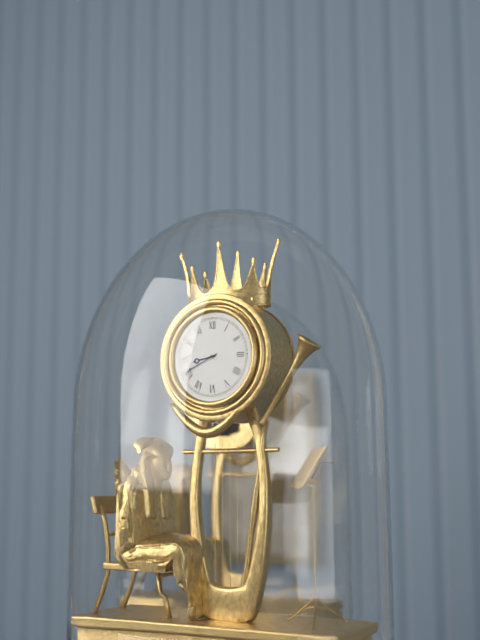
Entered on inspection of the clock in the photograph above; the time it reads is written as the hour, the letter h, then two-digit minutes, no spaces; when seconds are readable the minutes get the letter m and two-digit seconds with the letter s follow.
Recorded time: 8h41
